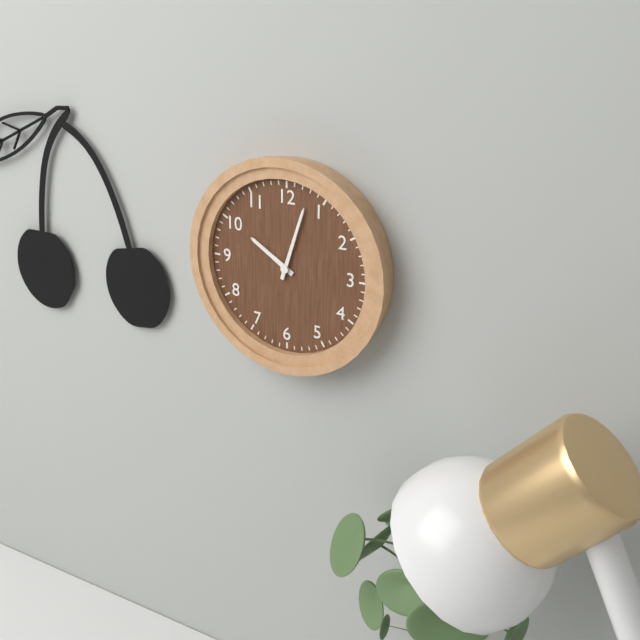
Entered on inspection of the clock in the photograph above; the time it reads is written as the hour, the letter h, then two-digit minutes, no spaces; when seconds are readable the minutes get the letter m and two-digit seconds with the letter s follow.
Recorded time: 10h03
